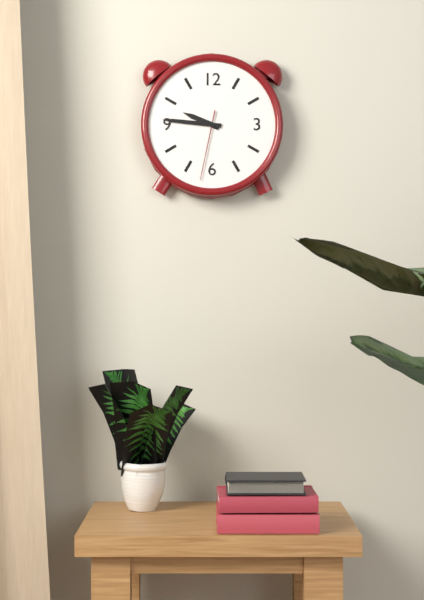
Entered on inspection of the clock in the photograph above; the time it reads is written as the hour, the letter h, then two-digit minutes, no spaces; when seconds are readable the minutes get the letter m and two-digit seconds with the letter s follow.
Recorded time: 9h46m32s
